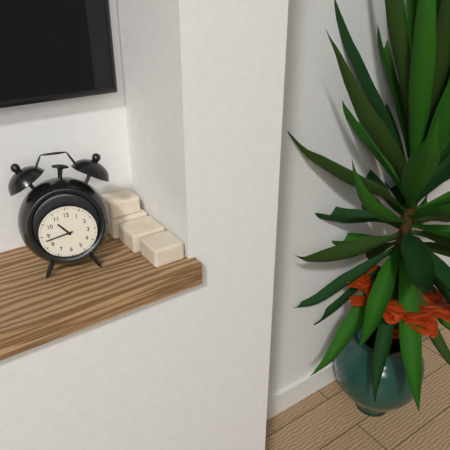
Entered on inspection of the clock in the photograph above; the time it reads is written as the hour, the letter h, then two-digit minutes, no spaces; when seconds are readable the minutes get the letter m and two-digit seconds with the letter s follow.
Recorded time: 10h43
